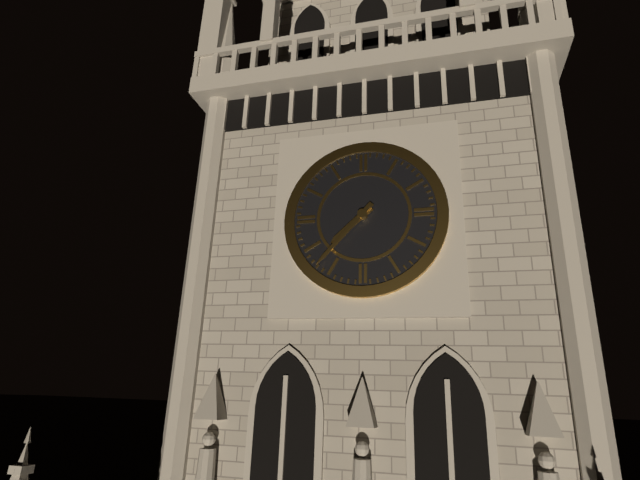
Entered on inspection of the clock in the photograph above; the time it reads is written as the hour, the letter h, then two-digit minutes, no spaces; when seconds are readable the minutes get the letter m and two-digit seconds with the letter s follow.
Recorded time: 7h37
